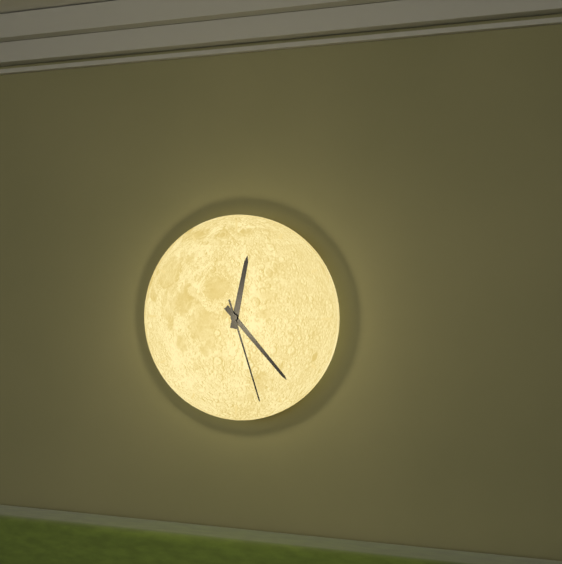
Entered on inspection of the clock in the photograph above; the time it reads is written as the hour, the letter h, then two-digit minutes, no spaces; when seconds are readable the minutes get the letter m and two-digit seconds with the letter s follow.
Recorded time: 12h23m27s
